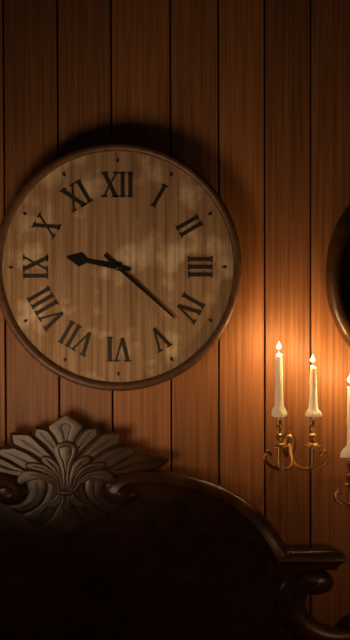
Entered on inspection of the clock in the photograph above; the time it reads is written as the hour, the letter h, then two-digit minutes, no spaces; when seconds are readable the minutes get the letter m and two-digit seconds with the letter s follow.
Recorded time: 9h22
